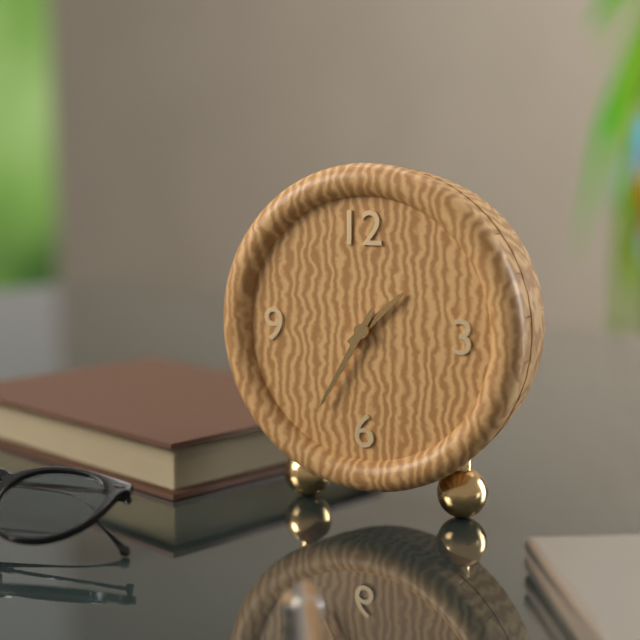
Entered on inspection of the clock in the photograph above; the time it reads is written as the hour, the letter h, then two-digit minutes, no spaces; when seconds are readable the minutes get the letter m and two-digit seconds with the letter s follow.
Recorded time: 1h35
